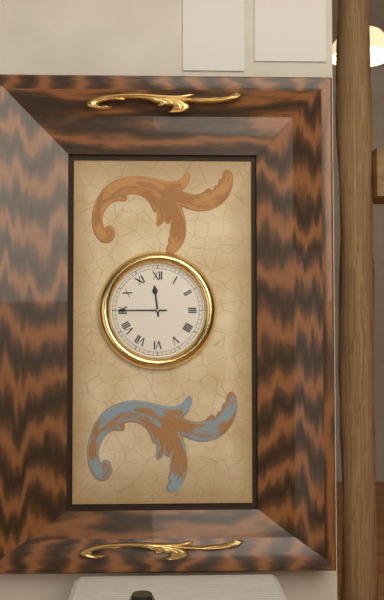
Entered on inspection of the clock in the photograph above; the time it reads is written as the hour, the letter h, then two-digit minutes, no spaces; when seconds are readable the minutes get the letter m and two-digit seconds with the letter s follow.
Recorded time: 11h45
